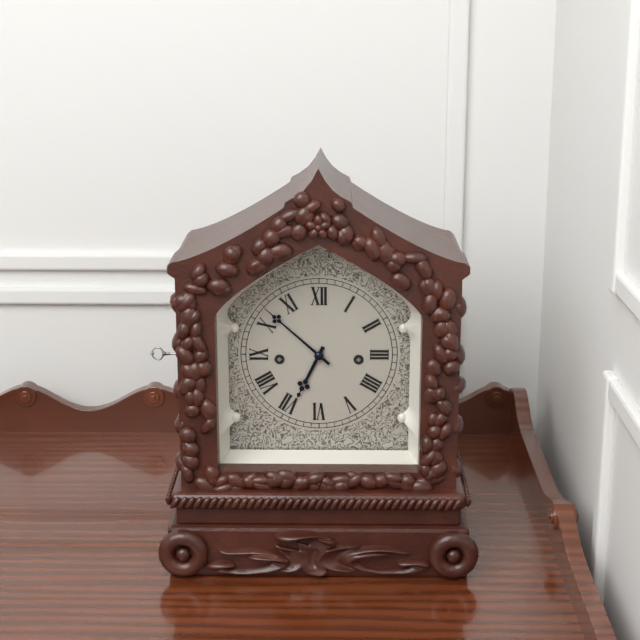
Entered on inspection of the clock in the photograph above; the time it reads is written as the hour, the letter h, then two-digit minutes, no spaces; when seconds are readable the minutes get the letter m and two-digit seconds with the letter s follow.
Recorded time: 6h52
